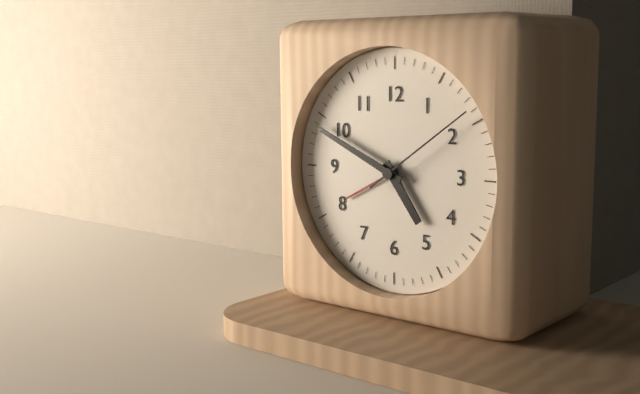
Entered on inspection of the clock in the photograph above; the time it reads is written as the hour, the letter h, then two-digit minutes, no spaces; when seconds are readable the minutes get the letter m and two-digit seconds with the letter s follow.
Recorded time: 4h49m09s
